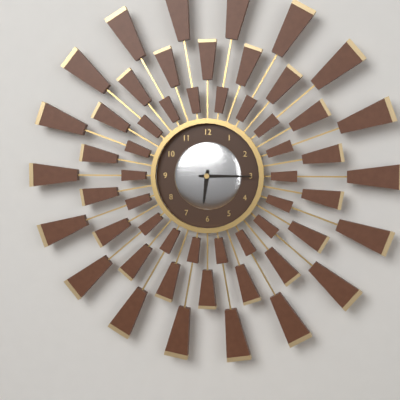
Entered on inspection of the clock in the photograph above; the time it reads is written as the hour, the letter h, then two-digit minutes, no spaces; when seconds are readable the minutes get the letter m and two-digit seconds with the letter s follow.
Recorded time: 6h15
